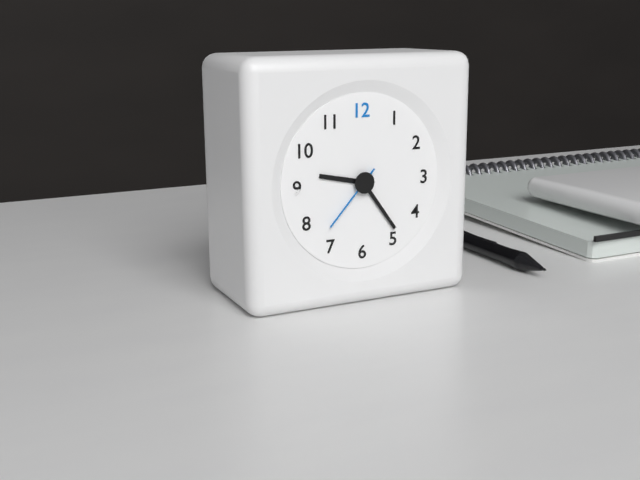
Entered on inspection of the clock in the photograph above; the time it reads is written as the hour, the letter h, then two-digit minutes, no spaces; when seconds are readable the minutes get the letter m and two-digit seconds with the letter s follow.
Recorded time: 9h24m37s
